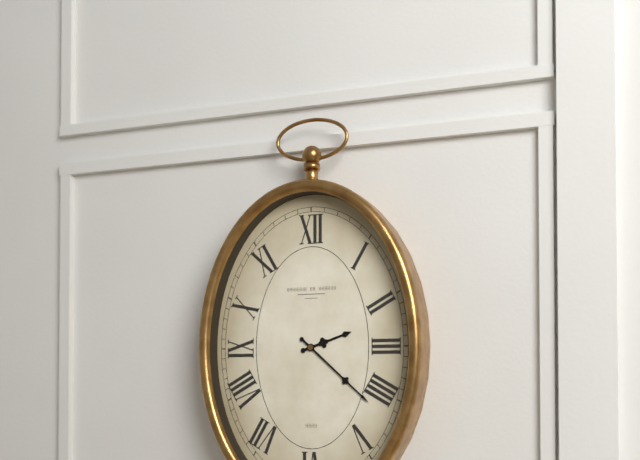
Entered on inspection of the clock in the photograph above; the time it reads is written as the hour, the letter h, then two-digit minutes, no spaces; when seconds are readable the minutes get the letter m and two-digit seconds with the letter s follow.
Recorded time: 2h22
